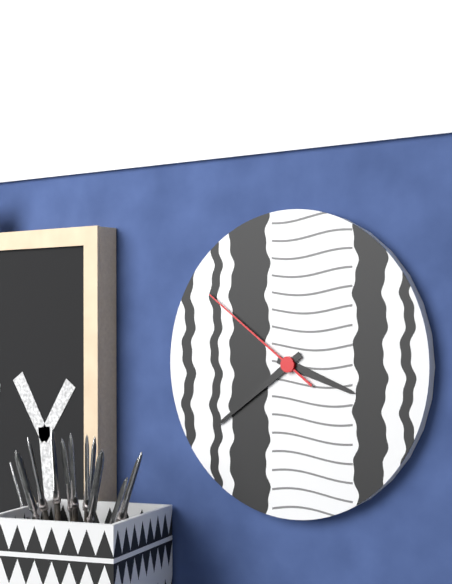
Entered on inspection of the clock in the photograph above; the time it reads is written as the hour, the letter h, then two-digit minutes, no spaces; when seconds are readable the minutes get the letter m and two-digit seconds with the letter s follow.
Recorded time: 3h39m51s
